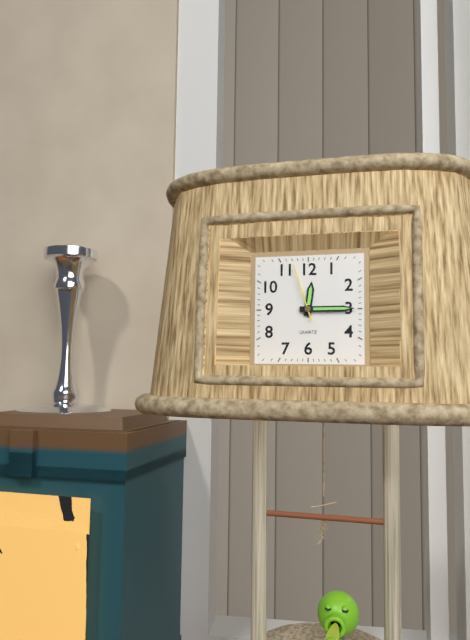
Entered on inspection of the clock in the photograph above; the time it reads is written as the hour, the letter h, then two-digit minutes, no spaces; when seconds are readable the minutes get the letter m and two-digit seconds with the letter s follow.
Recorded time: 12h15m57s
